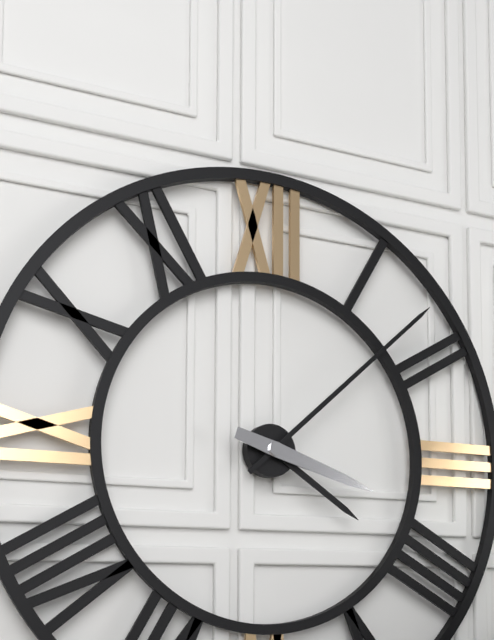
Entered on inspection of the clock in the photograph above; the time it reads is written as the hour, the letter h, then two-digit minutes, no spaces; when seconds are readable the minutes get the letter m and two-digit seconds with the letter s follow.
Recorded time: 4h08m18s
